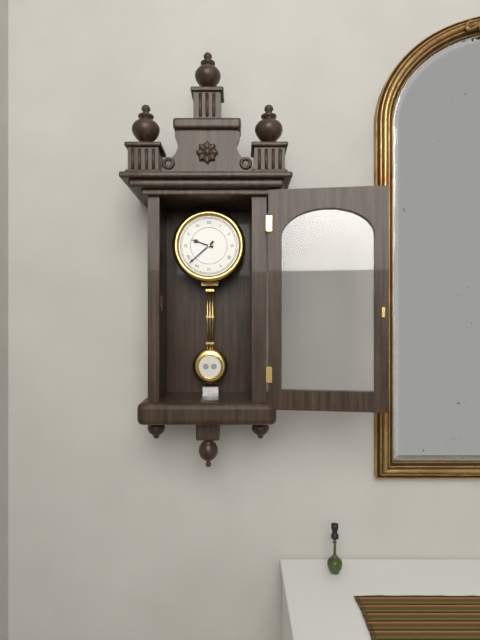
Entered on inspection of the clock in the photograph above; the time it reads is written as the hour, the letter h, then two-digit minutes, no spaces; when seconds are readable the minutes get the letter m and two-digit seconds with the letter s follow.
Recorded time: 9h38
